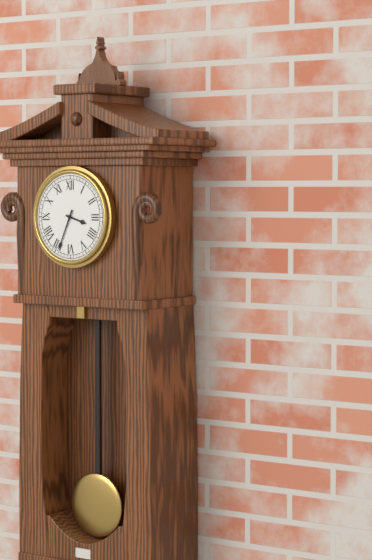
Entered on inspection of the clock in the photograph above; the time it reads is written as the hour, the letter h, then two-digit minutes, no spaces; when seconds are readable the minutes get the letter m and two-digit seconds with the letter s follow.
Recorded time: 3h34
